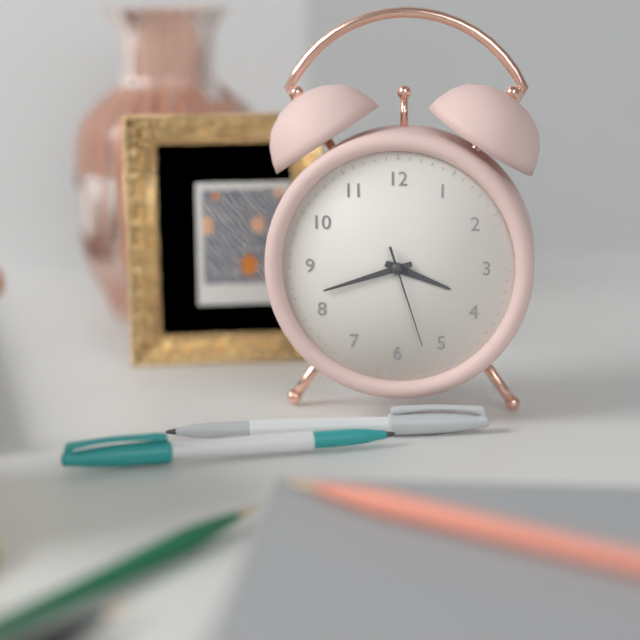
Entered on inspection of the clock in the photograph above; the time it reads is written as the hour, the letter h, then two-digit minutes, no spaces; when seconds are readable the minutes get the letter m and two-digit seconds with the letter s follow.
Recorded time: 3h42m27s
